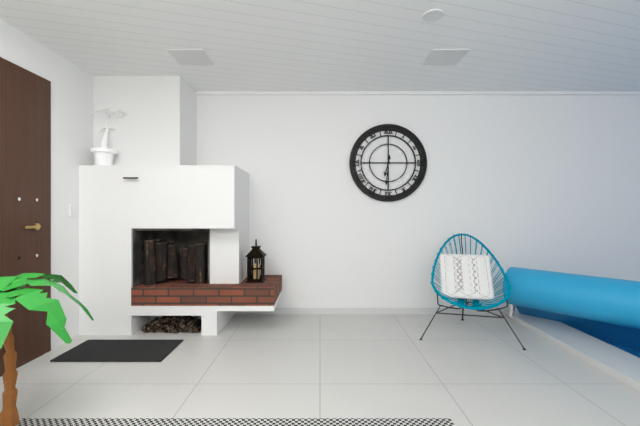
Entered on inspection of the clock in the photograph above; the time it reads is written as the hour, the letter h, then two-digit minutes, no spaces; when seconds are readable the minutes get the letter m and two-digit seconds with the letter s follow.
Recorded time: 6h31
